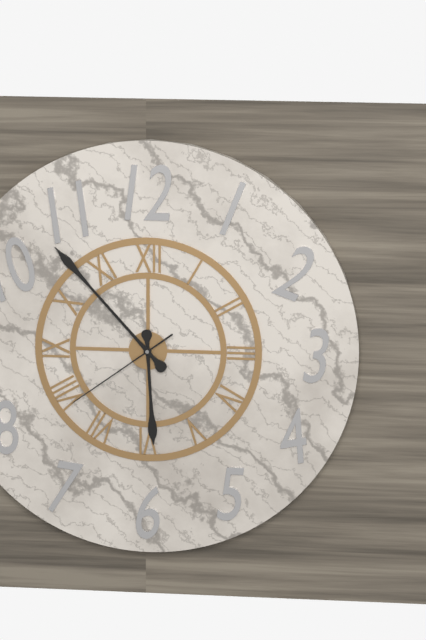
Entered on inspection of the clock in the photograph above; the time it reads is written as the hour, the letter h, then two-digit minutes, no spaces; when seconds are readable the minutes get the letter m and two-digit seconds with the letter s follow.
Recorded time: 5h53m39s
